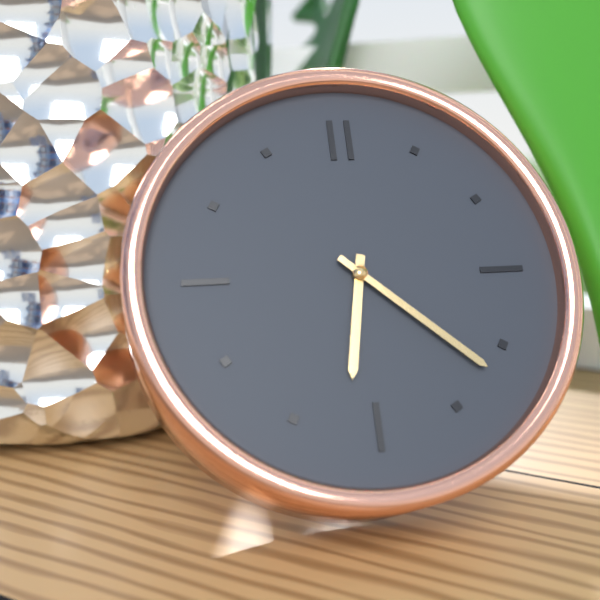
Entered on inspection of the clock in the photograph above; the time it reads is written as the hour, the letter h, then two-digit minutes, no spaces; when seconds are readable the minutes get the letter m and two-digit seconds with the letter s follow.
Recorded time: 6h22
